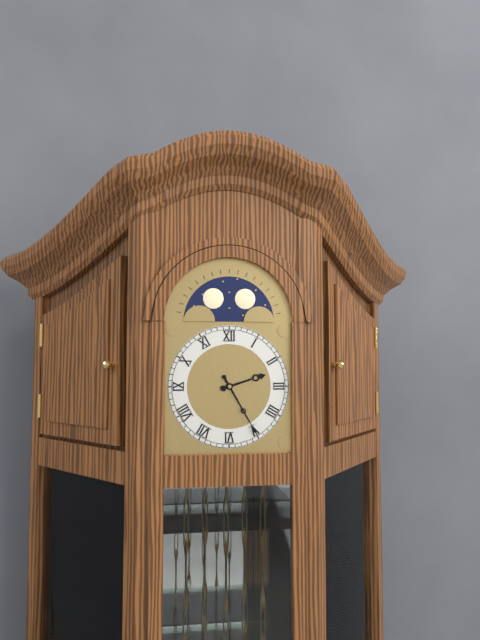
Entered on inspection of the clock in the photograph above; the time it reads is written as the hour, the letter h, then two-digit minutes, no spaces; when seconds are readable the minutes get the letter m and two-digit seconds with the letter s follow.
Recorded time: 2h25
